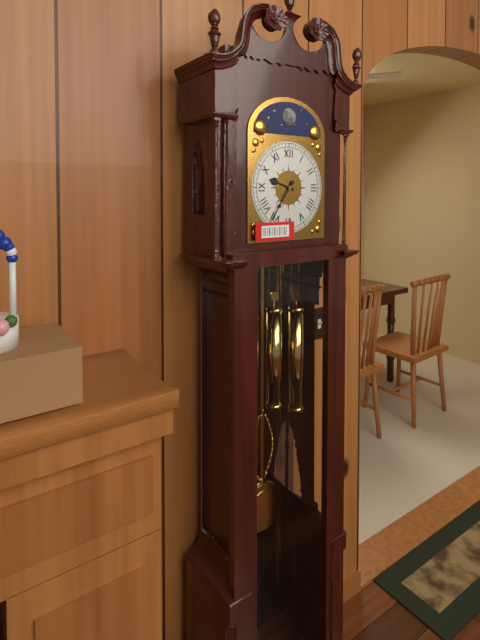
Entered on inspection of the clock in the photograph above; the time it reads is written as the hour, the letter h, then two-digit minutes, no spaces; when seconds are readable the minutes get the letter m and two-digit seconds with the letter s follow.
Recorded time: 9h36
